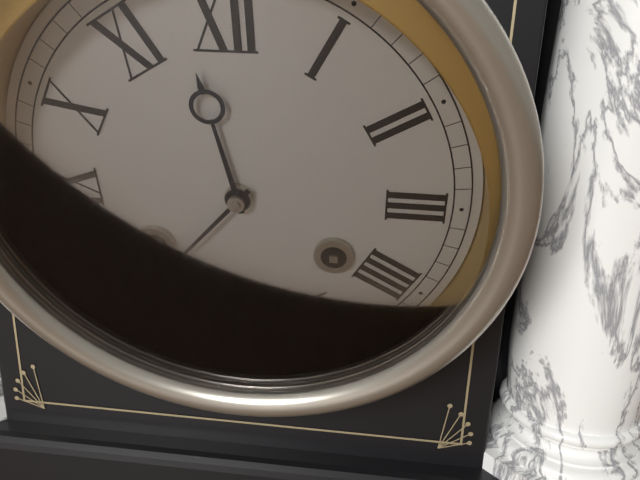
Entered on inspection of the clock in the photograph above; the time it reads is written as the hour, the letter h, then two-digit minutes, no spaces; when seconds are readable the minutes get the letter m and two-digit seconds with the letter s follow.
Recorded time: 11h37
